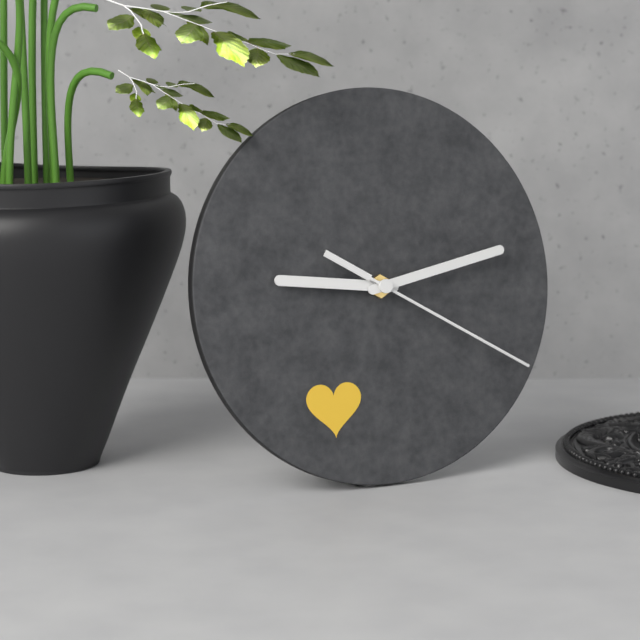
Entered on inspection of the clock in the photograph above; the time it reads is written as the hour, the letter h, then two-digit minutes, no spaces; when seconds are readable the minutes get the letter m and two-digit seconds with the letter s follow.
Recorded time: 9h13m20s
